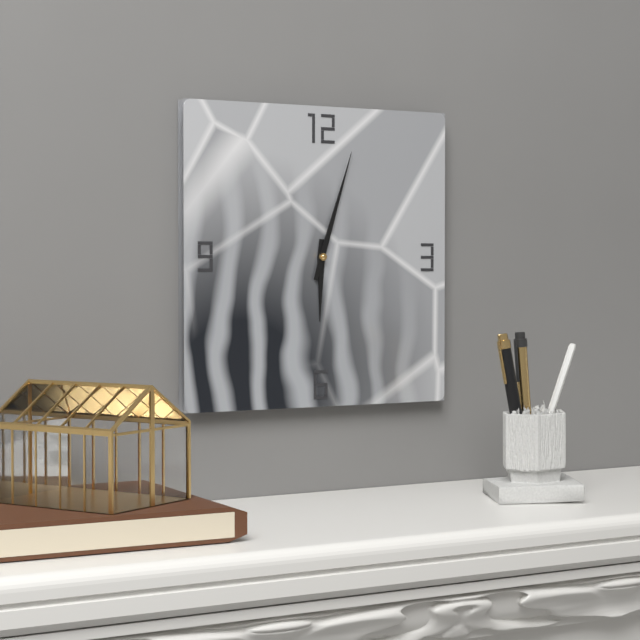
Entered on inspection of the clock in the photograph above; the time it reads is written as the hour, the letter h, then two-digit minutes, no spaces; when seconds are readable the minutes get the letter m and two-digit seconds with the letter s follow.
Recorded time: 6h03
